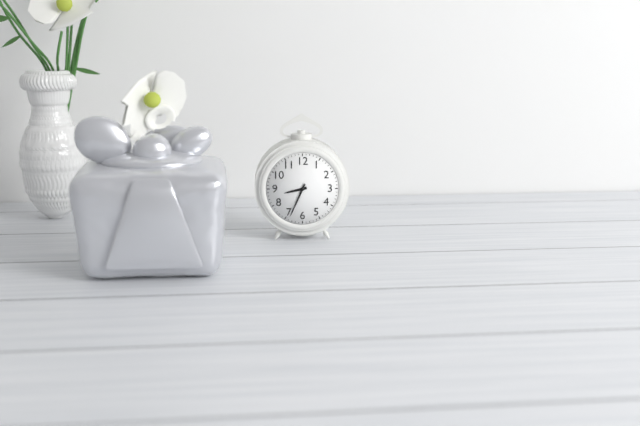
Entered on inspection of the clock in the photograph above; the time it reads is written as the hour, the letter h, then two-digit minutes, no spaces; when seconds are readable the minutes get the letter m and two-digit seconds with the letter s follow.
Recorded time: 8h34
